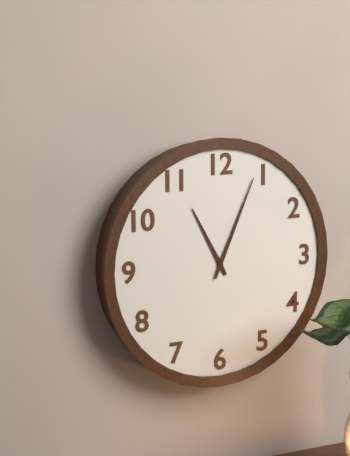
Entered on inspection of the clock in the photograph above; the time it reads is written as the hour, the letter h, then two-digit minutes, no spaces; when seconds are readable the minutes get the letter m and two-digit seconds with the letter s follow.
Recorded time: 11h04
